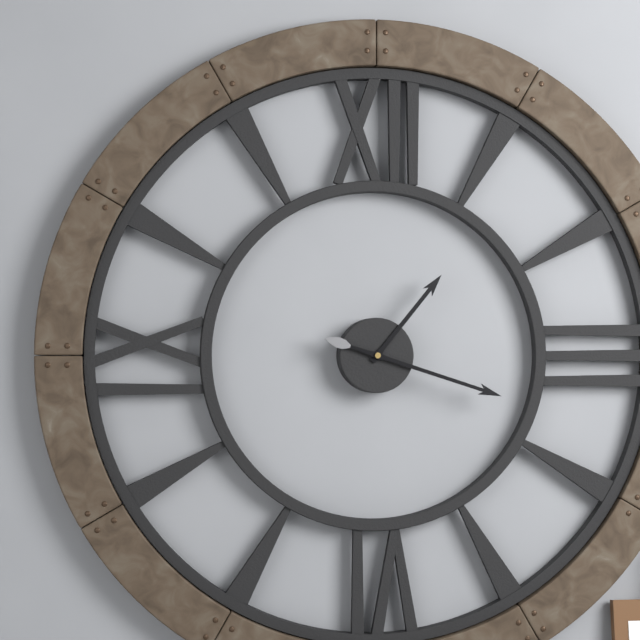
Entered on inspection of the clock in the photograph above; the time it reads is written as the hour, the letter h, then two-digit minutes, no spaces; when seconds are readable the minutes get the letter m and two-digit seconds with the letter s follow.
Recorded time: 1h18
